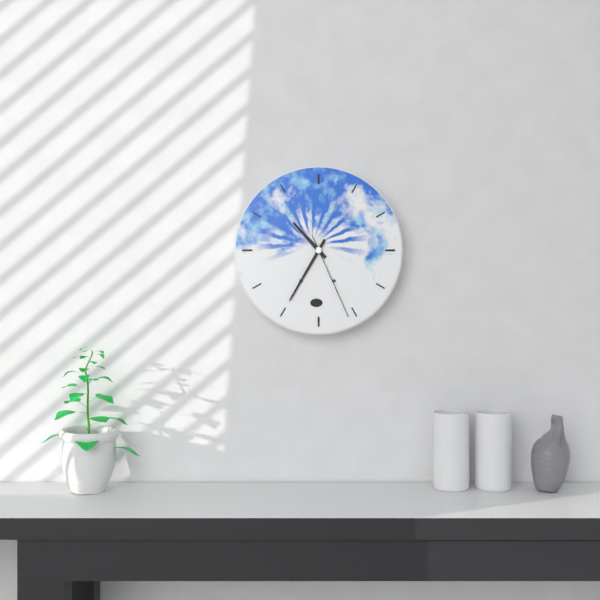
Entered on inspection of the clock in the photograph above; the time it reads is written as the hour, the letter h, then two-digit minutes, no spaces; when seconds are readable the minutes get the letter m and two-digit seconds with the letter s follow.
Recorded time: 10h35m26s
